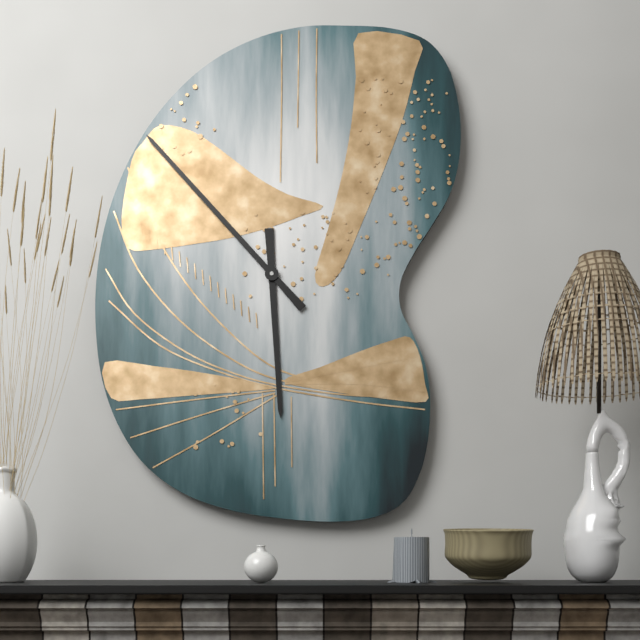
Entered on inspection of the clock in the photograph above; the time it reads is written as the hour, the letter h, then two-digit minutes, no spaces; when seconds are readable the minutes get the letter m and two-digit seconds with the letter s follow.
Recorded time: 5h53
